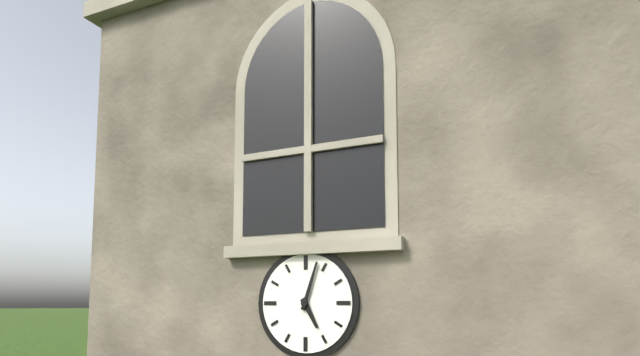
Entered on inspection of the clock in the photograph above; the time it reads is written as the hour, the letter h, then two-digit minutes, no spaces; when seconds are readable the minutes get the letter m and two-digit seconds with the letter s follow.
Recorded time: 5h03
